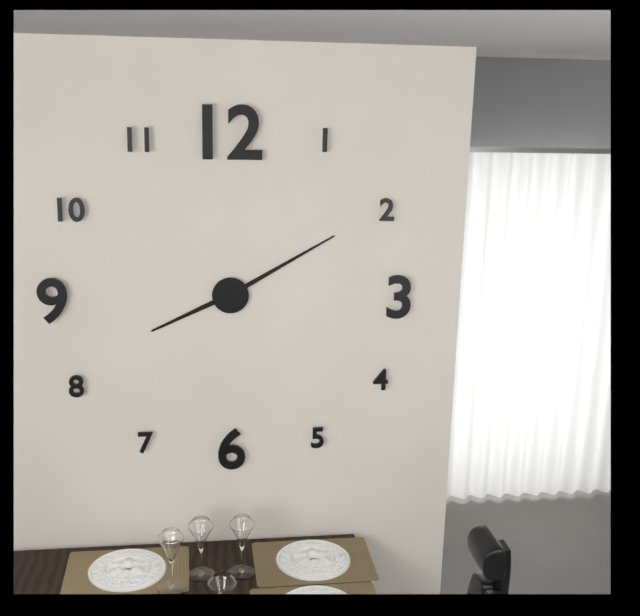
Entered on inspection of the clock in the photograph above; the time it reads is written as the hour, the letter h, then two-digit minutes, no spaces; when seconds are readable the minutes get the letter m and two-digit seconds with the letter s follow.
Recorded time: 8h10
